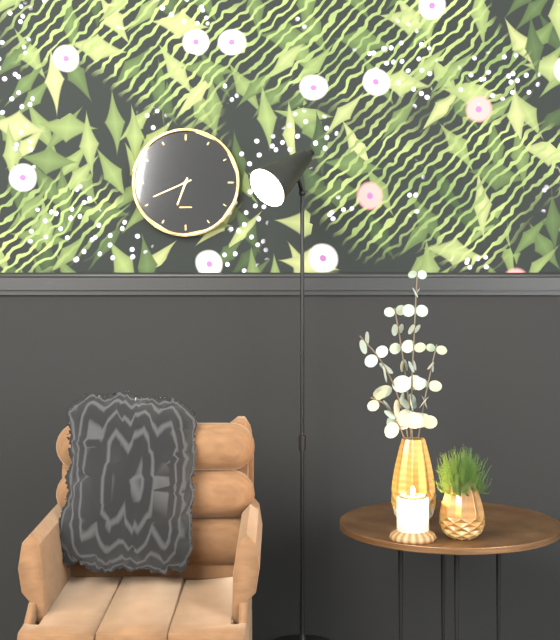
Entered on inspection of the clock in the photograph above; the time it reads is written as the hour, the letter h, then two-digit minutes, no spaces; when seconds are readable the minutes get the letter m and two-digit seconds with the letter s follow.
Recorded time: 6h41
